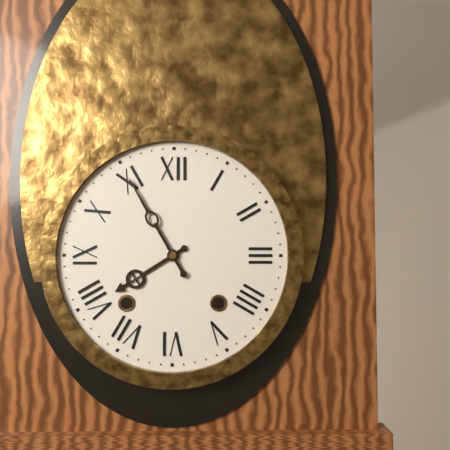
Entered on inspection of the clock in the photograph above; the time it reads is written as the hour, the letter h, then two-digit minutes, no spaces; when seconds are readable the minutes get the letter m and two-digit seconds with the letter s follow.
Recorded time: 7h55
